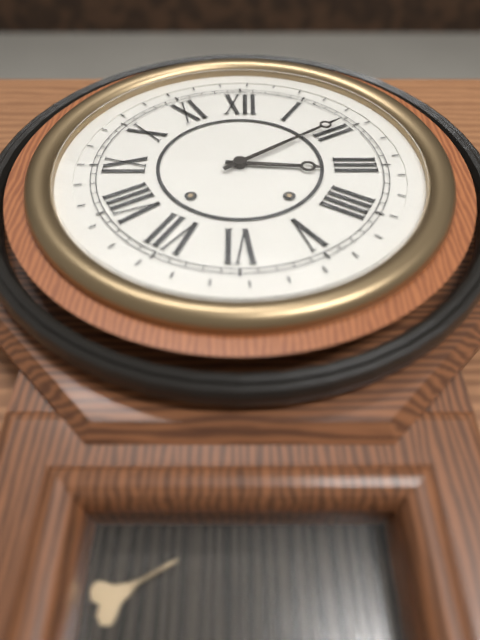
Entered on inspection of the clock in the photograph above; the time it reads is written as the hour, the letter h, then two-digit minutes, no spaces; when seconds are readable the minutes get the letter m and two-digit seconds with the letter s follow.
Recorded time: 3h09
